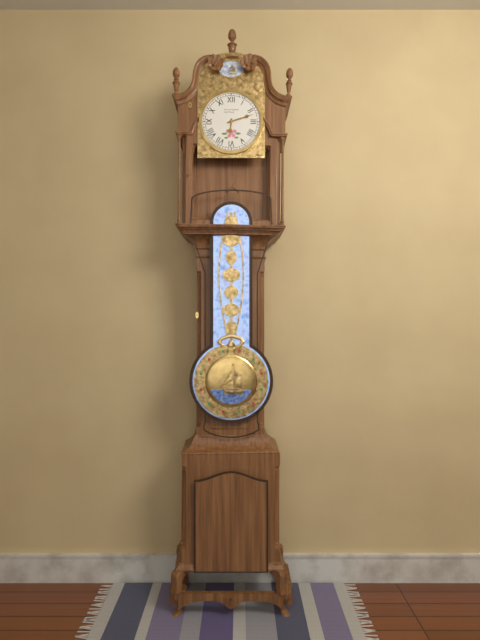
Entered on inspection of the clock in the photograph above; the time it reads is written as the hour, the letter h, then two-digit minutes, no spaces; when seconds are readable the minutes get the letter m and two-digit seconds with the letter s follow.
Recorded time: 6h12
